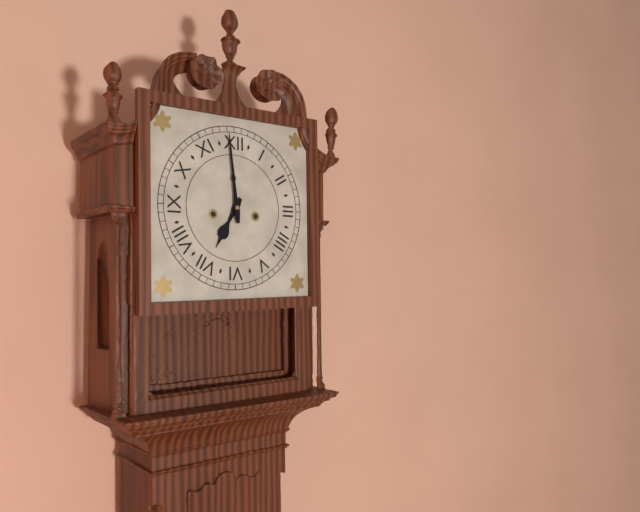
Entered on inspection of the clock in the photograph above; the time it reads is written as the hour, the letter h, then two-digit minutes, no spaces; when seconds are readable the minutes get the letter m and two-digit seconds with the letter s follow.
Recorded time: 6h59
